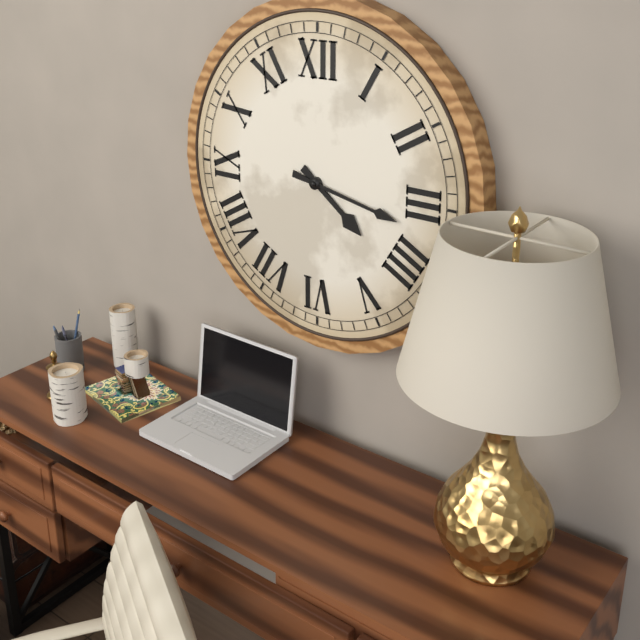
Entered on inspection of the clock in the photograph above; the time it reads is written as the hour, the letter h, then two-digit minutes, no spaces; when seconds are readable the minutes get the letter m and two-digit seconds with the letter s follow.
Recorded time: 4h17
